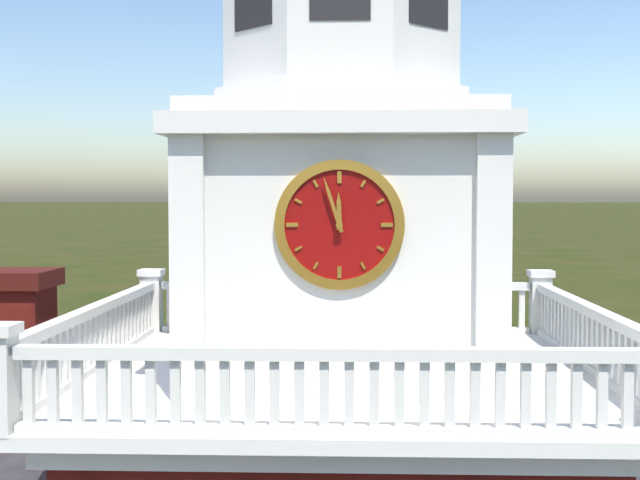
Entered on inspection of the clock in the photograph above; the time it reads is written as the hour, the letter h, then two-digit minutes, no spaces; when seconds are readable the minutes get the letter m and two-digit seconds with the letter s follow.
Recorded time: 11h57
